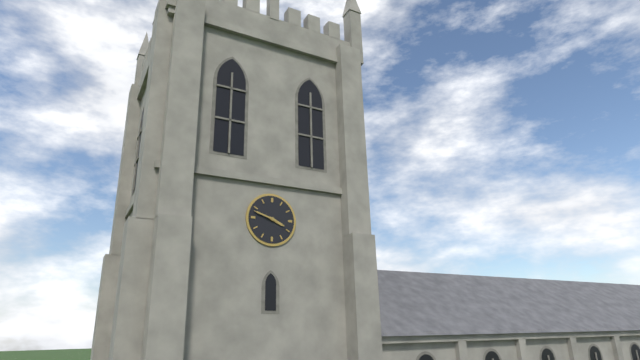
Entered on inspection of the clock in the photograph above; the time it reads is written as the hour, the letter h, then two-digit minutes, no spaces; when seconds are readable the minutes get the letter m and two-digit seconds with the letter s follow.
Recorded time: 3h48
